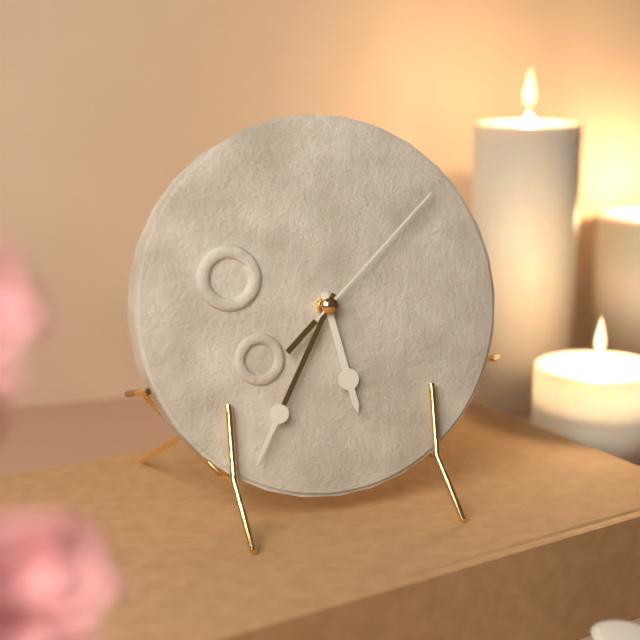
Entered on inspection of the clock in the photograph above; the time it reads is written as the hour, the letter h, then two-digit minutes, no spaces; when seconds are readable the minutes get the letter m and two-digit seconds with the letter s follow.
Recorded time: 5h35m08s
